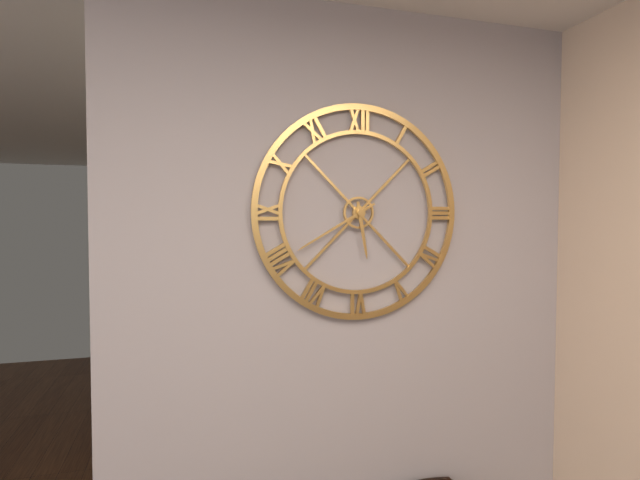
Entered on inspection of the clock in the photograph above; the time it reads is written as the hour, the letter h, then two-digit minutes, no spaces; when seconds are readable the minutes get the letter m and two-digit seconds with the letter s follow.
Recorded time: 5h40
